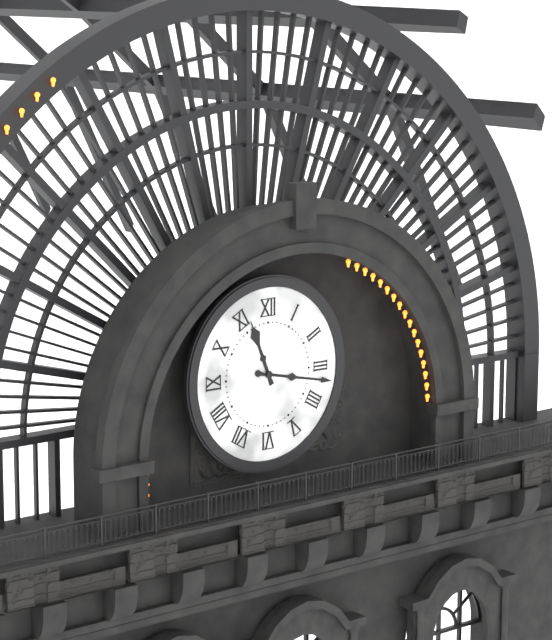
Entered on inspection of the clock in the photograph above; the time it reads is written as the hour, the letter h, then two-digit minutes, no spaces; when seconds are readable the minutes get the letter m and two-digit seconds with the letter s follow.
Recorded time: 11h17
